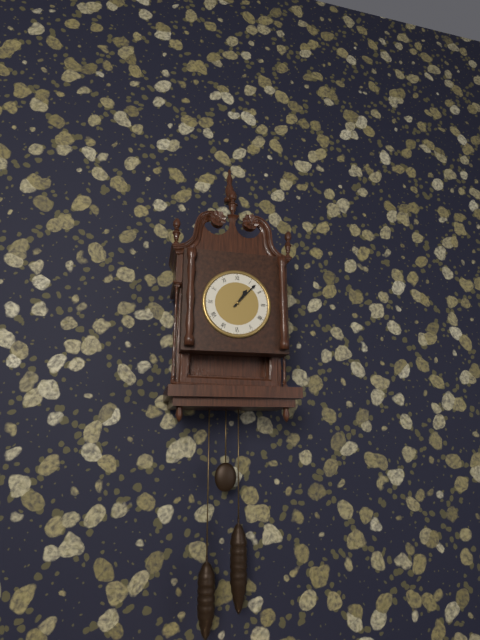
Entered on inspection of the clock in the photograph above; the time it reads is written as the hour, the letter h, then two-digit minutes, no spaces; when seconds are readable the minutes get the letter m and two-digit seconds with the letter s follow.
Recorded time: 1h07
